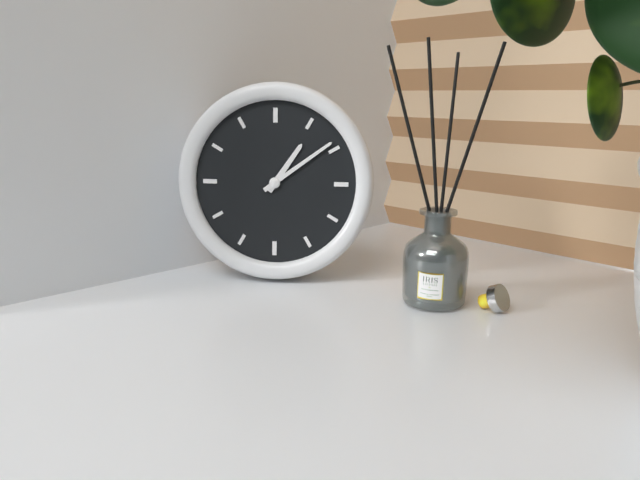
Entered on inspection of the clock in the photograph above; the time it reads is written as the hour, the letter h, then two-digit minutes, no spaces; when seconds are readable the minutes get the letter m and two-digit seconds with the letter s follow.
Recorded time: 1h09
